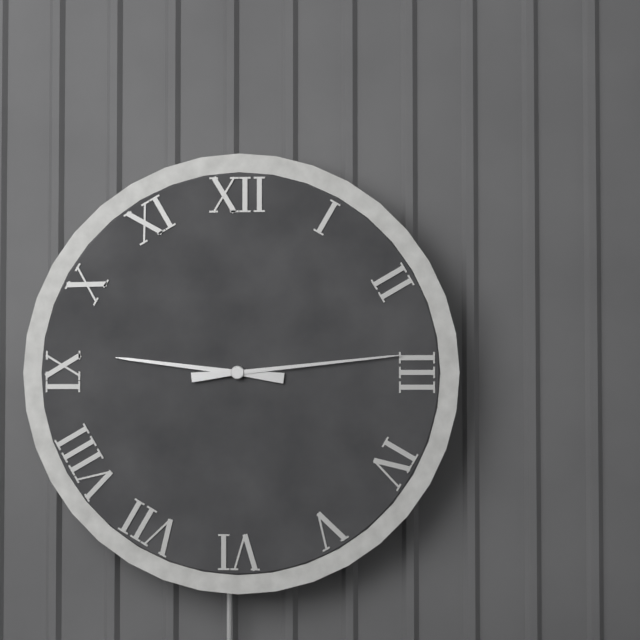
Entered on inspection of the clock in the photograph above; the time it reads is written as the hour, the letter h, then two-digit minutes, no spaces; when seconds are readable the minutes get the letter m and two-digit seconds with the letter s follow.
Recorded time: 9h14
